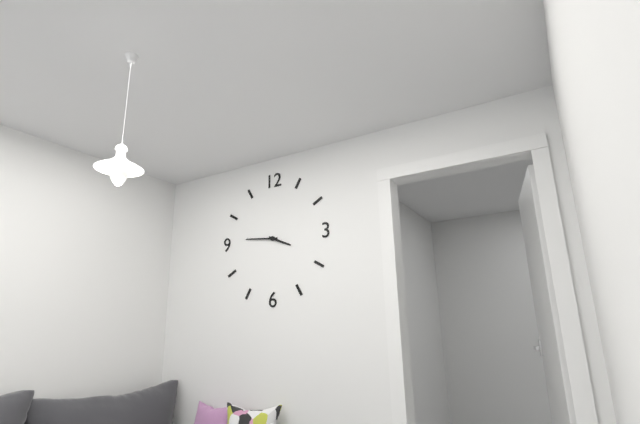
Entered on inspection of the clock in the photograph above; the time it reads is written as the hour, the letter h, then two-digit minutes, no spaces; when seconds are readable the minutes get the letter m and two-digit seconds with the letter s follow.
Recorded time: 3h46
